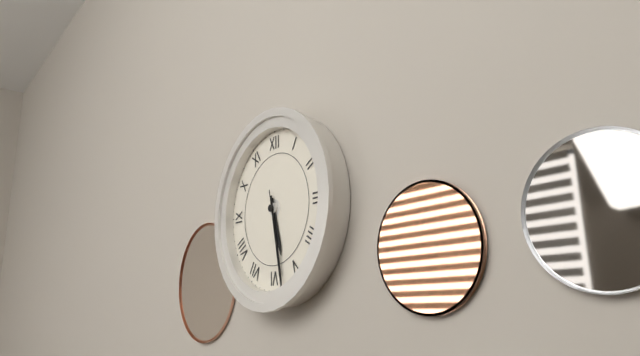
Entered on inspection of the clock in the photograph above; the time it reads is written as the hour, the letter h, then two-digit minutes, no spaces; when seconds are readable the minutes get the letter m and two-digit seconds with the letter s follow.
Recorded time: 5h28m28s
